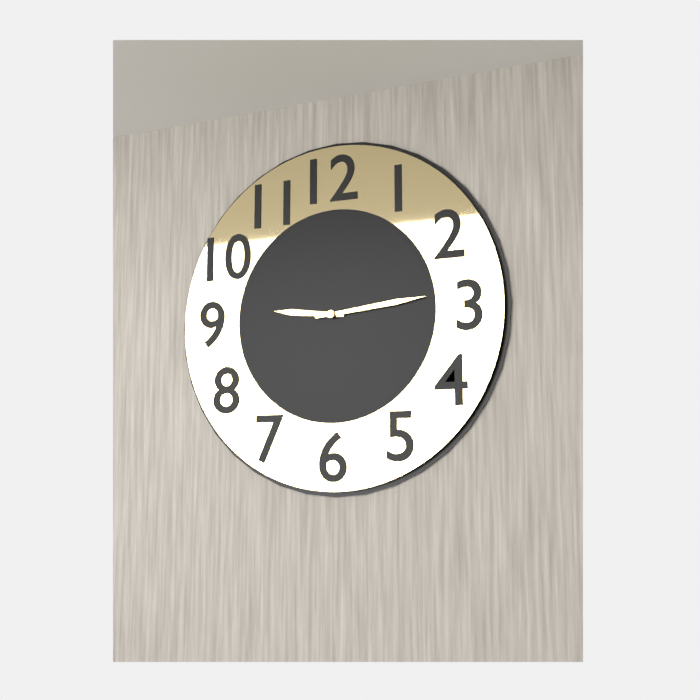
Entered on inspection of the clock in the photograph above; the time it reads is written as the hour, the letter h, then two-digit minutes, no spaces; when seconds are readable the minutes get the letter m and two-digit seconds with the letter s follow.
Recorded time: 9h14
